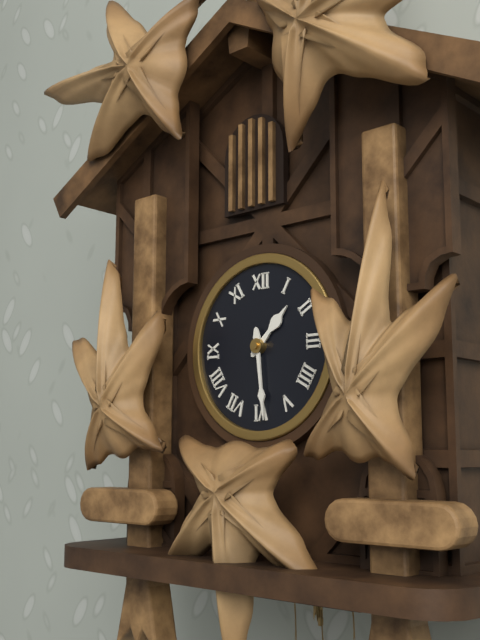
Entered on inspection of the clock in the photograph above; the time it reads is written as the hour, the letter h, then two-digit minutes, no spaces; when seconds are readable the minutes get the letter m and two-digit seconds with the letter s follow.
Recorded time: 1h29
